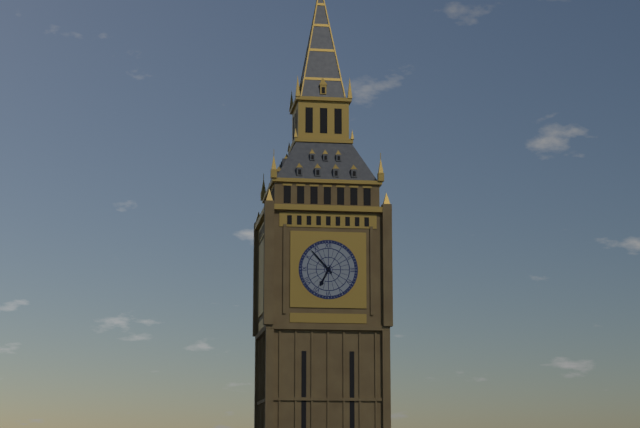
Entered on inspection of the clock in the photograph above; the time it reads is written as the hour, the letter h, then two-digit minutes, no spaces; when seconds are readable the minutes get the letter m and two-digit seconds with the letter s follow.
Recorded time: 6h53
